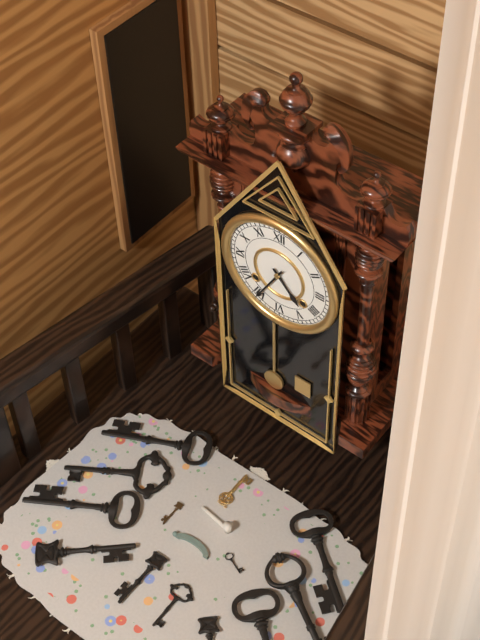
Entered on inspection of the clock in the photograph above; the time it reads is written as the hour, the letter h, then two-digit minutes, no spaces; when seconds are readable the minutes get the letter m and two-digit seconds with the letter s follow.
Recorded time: 4h35
